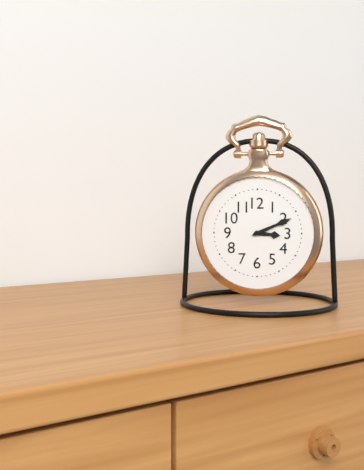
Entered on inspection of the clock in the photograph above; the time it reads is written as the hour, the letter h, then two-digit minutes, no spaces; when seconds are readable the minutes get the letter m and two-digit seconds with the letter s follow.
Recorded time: 3h11
